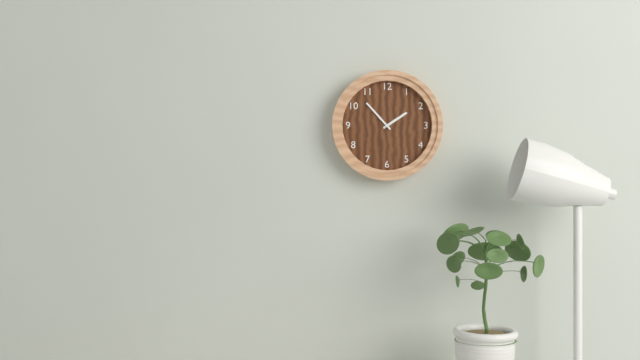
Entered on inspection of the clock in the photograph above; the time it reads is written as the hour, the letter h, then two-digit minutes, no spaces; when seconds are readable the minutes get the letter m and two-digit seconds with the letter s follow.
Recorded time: 1h53
